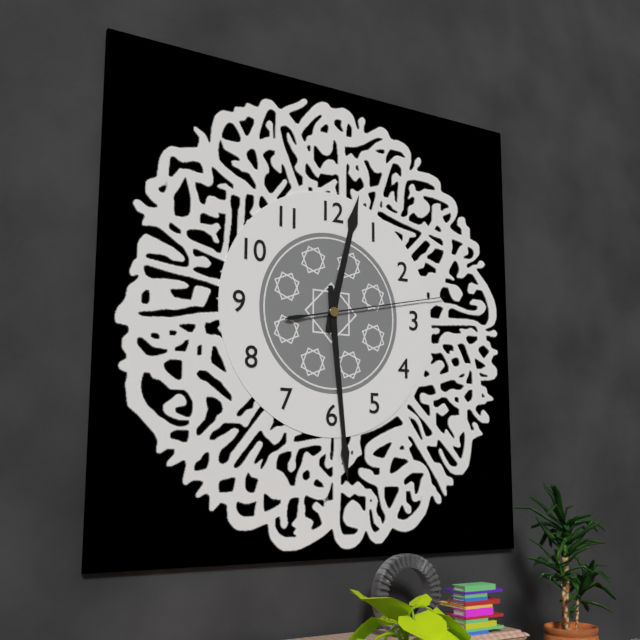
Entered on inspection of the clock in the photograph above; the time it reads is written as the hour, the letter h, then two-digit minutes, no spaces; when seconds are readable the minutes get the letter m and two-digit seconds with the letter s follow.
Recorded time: 12h29m13s
